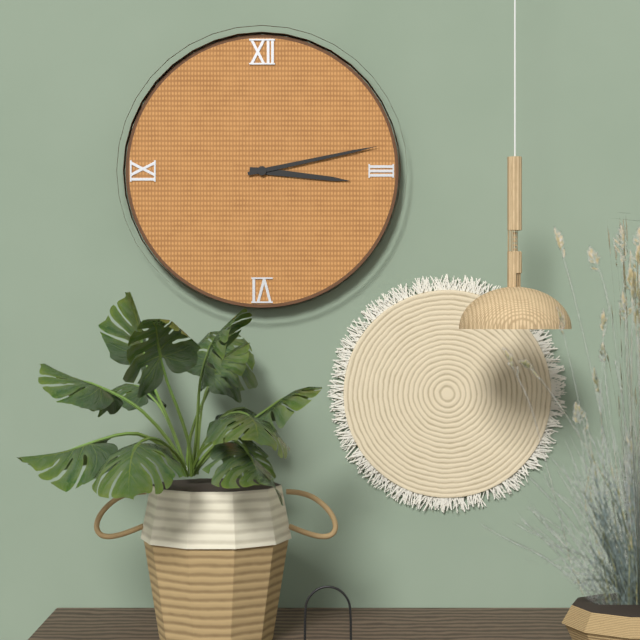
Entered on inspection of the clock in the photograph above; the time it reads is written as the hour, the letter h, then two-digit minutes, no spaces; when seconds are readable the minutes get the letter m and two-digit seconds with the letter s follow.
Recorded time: 3h13
